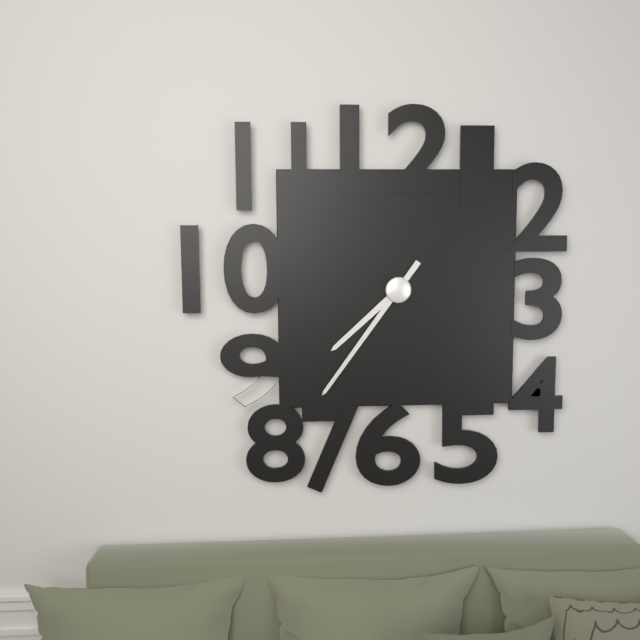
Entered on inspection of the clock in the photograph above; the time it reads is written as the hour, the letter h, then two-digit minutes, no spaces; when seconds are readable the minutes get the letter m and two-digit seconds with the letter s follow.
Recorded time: 7h36
